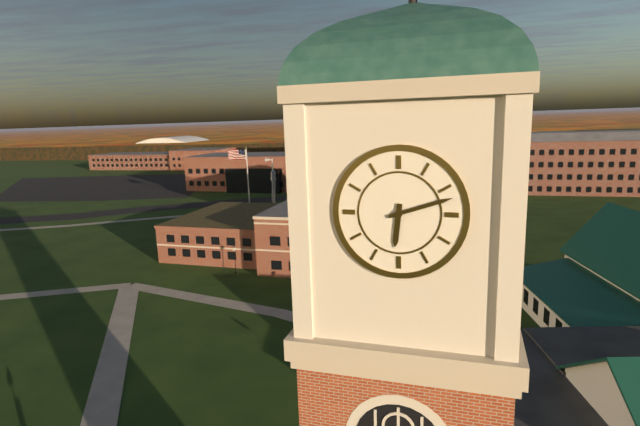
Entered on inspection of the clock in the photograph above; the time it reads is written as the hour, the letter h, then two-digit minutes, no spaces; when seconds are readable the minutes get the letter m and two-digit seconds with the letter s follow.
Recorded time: 6h12
